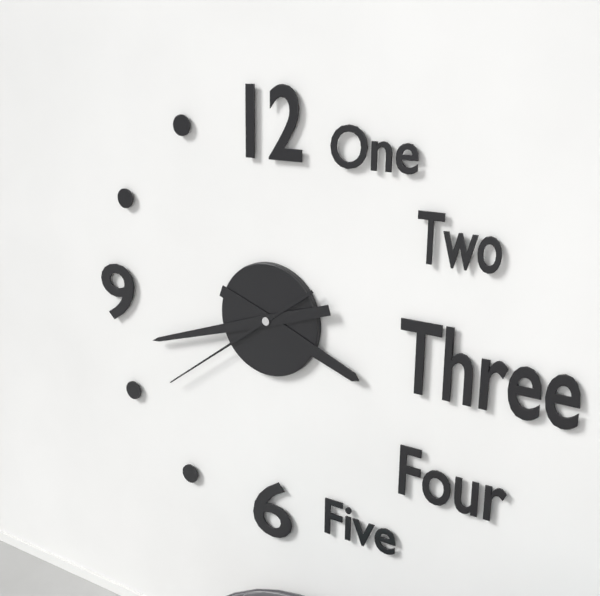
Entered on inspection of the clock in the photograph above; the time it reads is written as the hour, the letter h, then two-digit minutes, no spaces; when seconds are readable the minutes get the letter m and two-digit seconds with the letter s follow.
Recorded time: 3h42m39s
